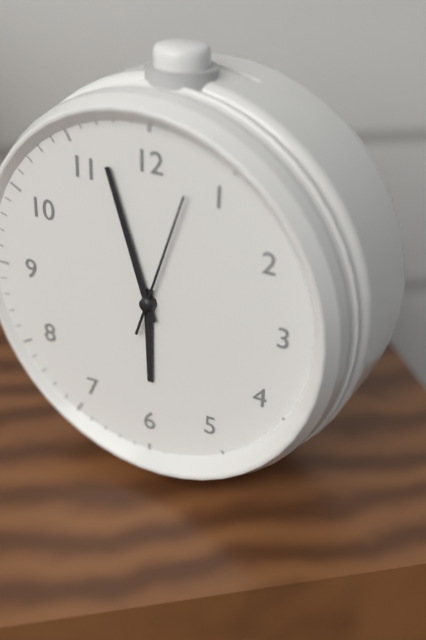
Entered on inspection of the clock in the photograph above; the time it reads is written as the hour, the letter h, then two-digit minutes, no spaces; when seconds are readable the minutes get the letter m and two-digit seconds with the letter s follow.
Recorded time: 5h57m03s
